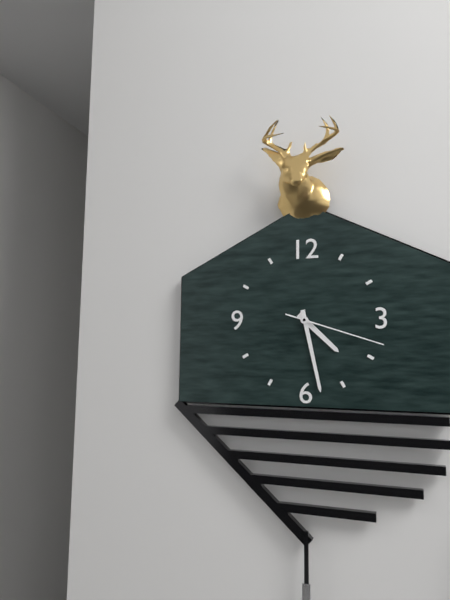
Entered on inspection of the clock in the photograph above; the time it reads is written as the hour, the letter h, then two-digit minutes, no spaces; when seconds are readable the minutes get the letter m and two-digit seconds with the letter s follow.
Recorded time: 4h28m18s
